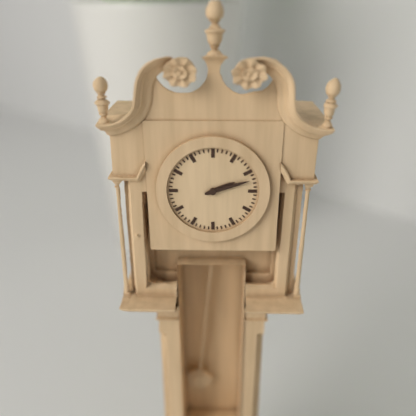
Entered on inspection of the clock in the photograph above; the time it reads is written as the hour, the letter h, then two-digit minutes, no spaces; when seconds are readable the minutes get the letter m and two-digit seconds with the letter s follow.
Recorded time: 2h12
